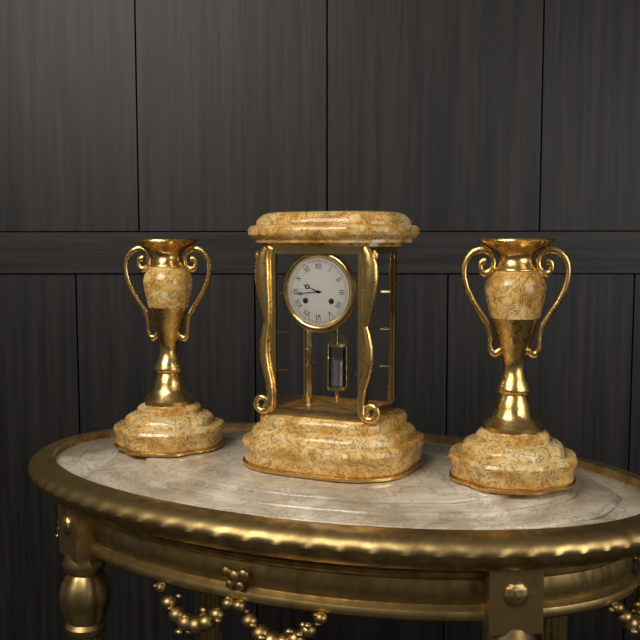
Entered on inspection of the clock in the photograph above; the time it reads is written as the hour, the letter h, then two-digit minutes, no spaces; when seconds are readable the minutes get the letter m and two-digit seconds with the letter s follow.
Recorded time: 9h44
